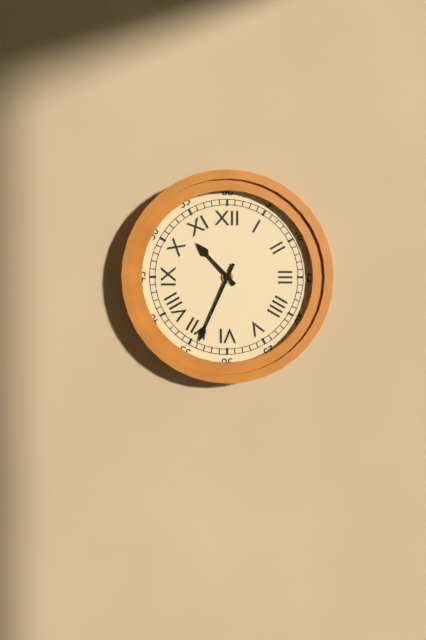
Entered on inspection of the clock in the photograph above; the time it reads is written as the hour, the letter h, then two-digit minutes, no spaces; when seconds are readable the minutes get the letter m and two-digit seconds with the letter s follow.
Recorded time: 10h34
